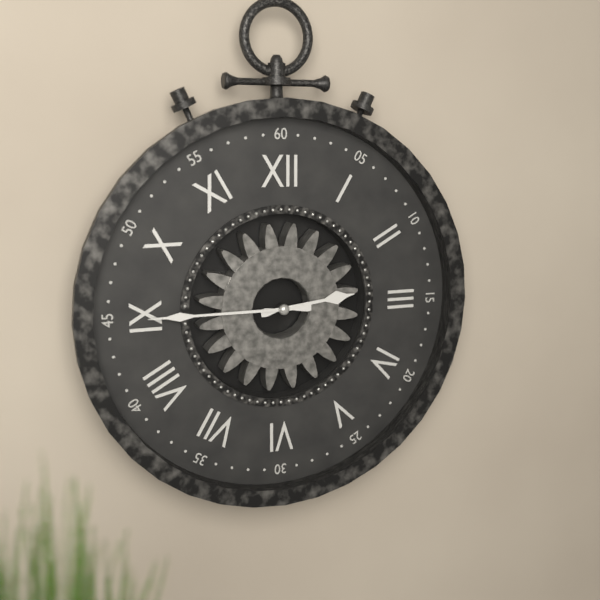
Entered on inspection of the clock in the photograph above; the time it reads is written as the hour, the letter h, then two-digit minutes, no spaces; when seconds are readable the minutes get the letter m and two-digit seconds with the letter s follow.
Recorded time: 2h45
